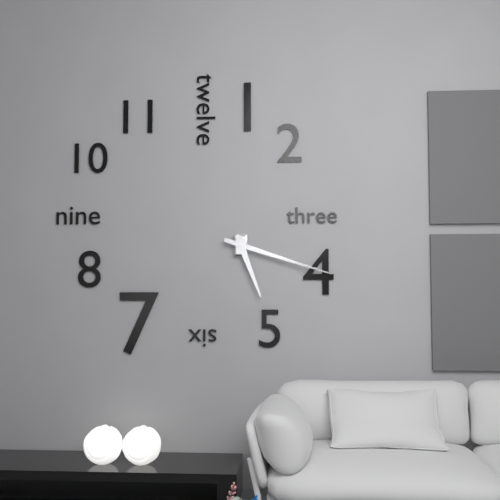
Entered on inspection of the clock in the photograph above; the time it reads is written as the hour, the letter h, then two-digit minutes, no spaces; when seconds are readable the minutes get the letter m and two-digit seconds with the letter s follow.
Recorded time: 5h18
